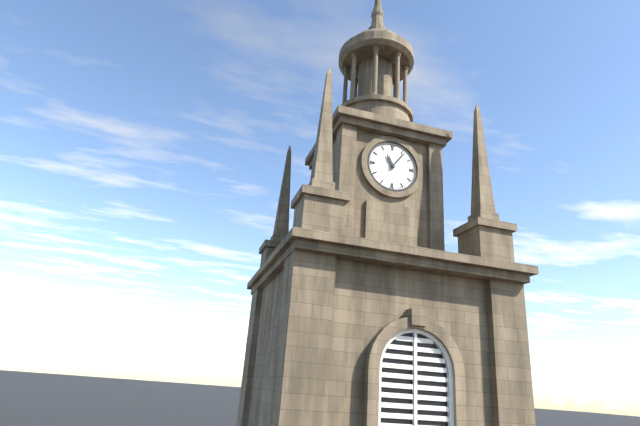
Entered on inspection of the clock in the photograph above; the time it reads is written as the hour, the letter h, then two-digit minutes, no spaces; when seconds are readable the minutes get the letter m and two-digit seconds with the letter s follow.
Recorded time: 11h06
